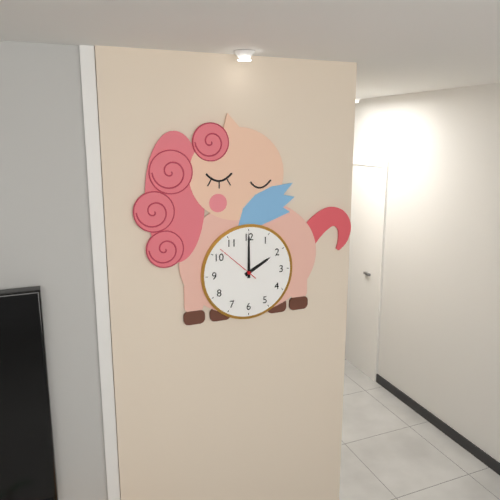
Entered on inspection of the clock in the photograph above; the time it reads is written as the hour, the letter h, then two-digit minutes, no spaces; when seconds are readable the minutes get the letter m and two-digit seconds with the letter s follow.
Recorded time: 2h00
